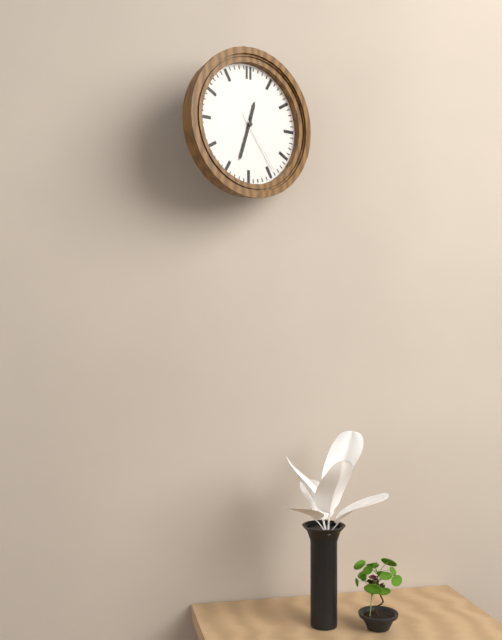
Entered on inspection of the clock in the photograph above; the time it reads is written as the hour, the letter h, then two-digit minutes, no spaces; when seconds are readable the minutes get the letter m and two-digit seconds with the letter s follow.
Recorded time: 12h33m24s
